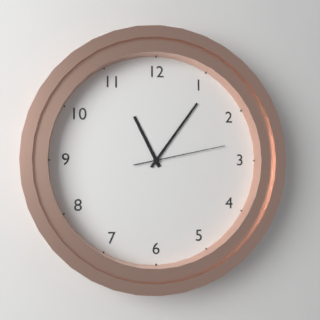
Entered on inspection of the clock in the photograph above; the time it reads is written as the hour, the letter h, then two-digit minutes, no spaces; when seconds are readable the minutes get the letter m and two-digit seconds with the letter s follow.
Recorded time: 11h06m13s
